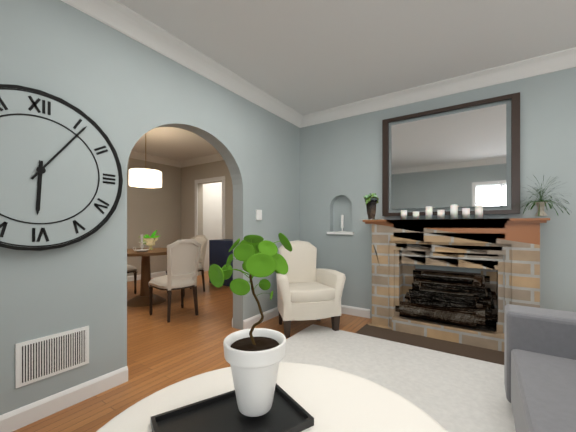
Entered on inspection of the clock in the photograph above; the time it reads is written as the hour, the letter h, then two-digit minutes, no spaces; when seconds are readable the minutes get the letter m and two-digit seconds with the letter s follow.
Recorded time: 6h06
